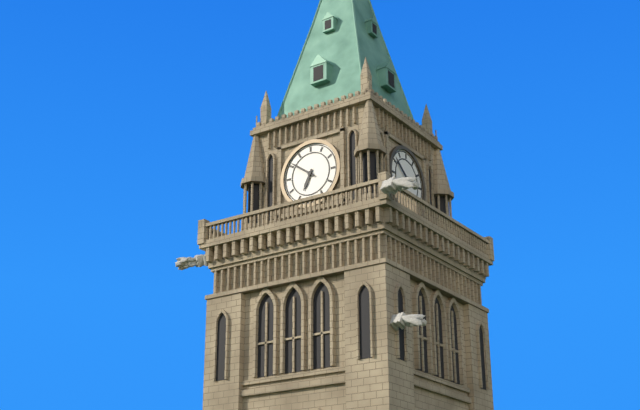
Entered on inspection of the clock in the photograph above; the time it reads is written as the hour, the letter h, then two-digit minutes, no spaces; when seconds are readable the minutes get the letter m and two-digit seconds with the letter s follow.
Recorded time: 6h51
